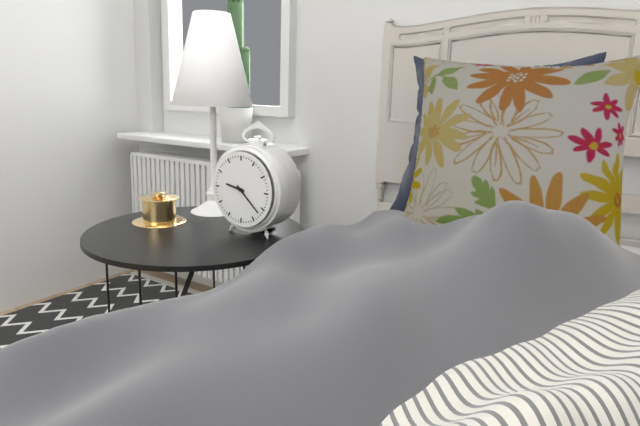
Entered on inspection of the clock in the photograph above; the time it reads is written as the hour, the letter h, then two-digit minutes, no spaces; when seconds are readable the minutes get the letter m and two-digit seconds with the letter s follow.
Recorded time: 9h22
